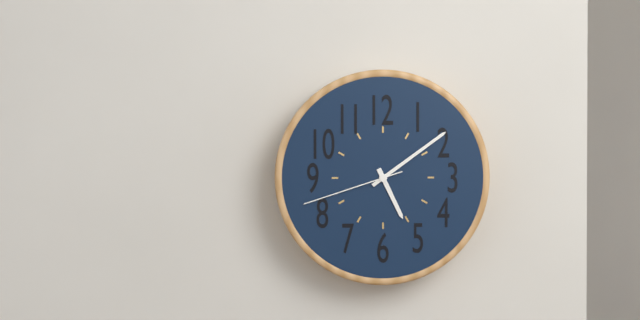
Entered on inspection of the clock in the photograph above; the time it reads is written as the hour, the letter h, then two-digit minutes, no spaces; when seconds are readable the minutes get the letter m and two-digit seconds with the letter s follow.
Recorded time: 5h09m42s
